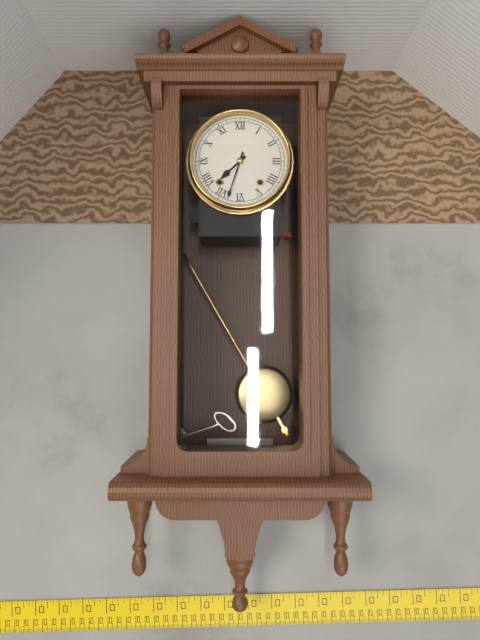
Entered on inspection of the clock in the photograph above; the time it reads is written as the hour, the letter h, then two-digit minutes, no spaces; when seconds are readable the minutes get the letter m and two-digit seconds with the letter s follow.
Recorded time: 7h33
